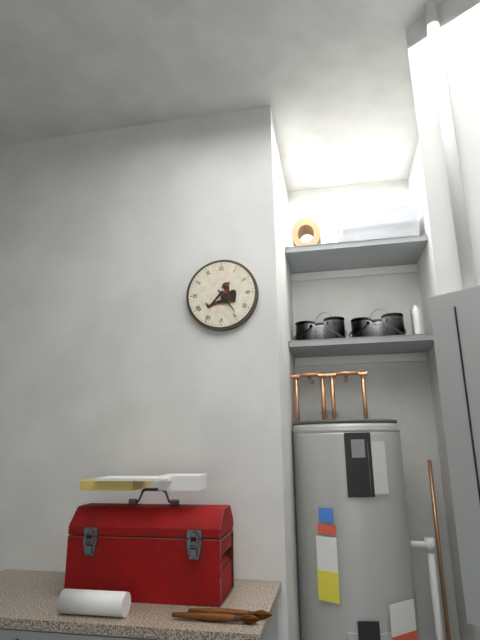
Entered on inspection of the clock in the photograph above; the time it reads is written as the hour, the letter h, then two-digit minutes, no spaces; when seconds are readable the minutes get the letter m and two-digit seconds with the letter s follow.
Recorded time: 7h24
